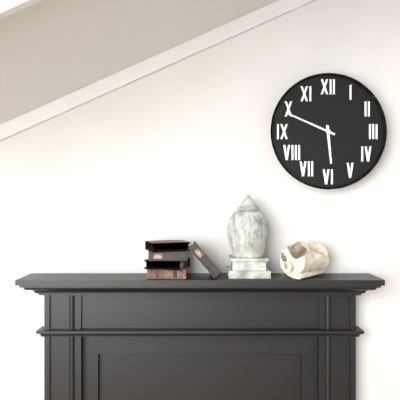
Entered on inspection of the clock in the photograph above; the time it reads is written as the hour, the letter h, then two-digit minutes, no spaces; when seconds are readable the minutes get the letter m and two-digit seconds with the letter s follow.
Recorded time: 5h49
